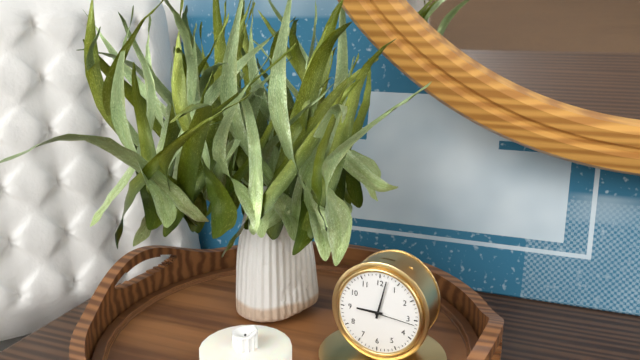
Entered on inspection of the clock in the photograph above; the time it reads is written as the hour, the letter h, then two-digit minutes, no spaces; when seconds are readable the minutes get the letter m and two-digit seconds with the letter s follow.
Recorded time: 9h02
